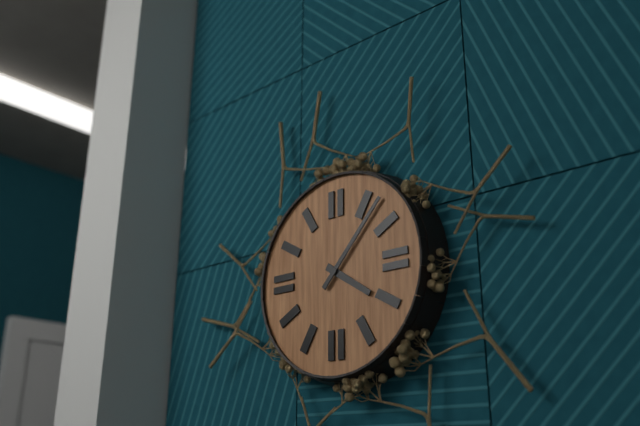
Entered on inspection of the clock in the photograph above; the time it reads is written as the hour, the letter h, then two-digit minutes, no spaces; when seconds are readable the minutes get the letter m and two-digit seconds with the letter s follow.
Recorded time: 4h07
